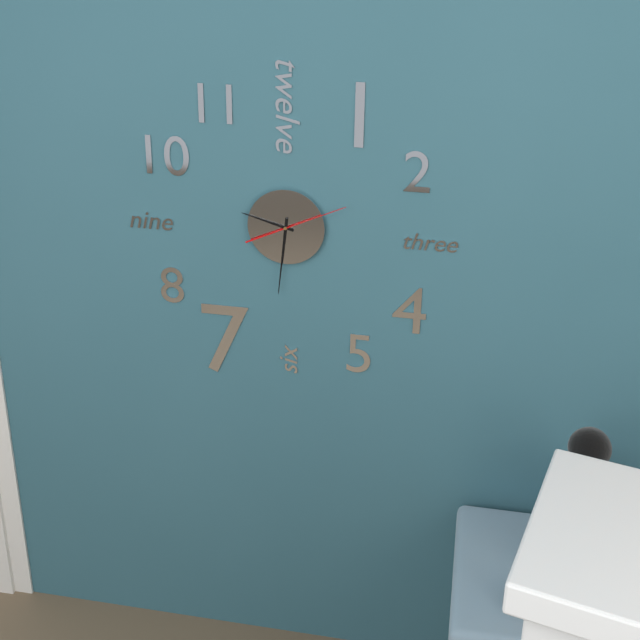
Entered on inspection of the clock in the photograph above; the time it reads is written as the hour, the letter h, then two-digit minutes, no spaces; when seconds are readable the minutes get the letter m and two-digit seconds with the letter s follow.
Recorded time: 9h31m11s
